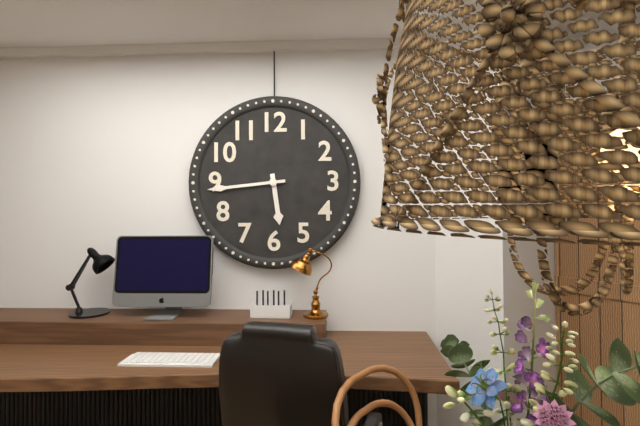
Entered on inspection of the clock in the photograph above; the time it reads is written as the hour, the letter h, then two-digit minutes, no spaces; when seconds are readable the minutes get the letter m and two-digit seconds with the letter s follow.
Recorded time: 5h44
